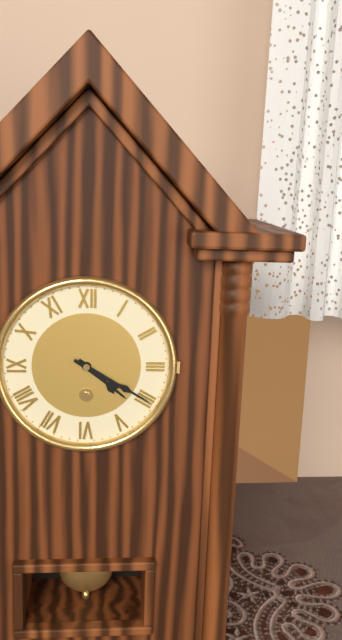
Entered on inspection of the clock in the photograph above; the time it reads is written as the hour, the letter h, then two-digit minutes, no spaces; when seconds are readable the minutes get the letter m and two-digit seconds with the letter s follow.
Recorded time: 4h20
